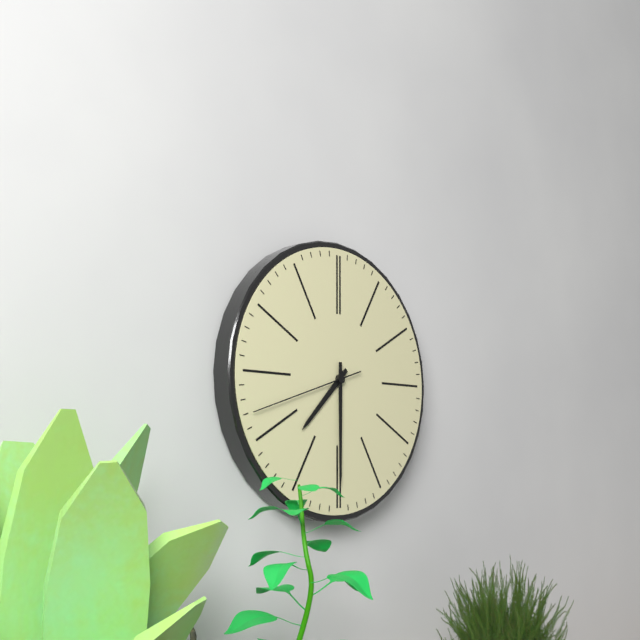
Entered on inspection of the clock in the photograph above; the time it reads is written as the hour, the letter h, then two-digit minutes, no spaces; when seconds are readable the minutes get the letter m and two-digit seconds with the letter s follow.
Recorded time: 7h30m42s
